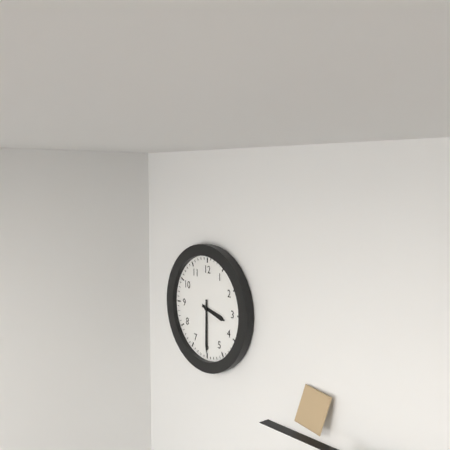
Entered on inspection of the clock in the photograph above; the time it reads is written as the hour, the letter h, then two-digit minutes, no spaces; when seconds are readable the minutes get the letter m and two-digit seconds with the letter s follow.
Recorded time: 3h30
